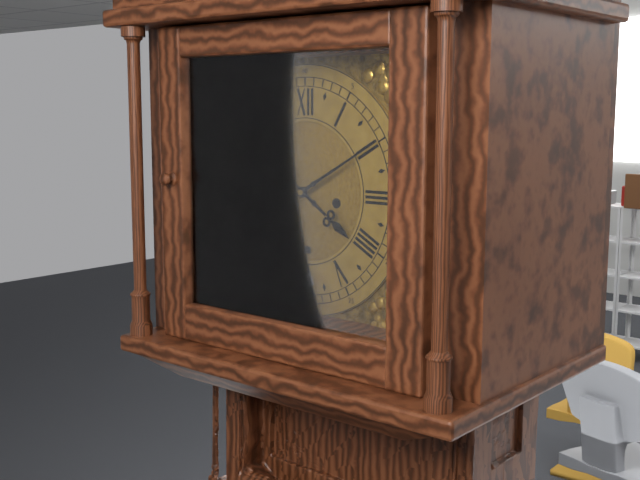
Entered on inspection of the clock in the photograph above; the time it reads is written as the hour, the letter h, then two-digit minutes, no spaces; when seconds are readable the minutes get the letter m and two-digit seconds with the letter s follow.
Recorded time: 4h10
